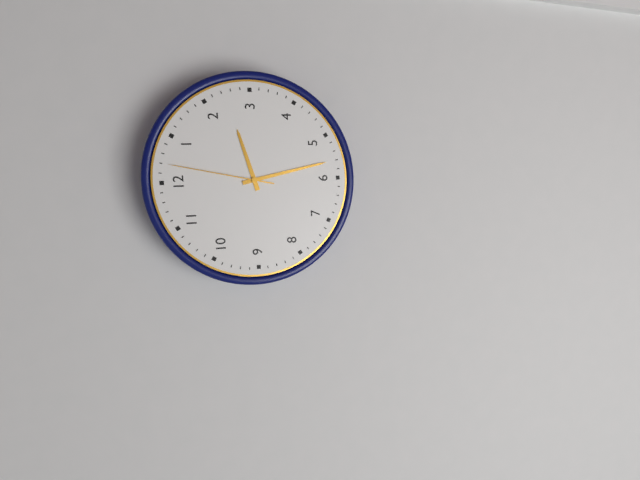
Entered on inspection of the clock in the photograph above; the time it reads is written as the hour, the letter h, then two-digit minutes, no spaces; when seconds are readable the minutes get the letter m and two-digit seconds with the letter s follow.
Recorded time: 2h28m02s
